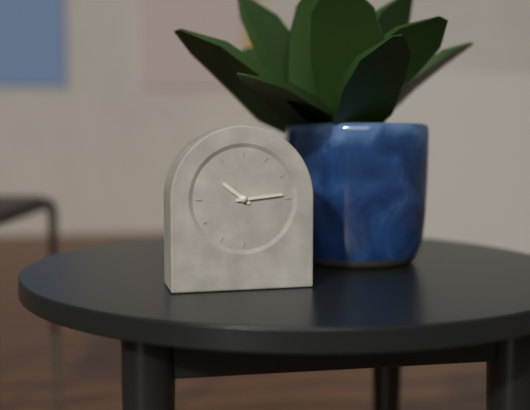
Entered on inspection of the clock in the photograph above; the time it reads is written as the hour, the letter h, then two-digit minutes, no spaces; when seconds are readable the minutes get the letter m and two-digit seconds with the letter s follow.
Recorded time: 10h14
